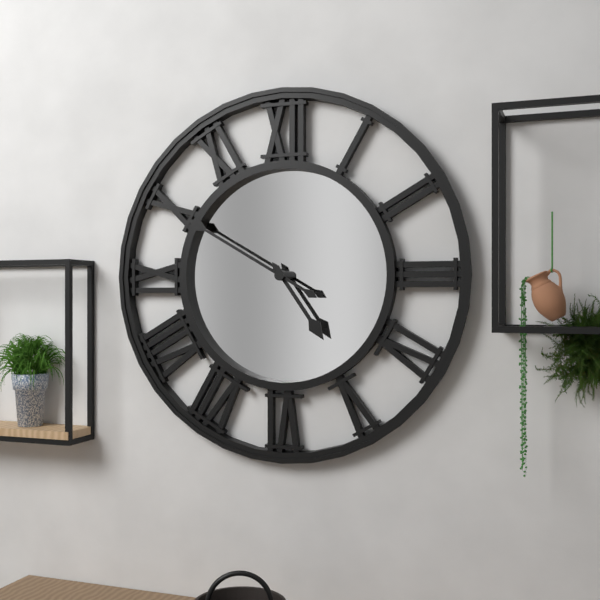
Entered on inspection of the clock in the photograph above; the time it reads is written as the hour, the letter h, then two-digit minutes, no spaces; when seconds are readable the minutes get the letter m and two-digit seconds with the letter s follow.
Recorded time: 4h50
